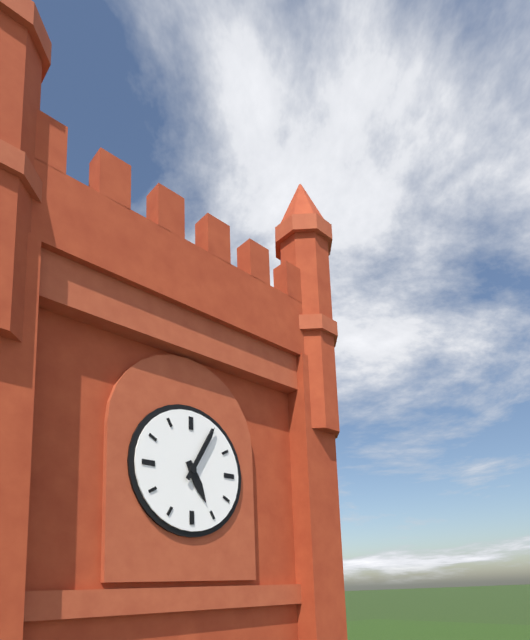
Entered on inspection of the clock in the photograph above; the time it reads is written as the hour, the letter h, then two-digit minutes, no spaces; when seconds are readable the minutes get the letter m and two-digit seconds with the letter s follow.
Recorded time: 5h05
